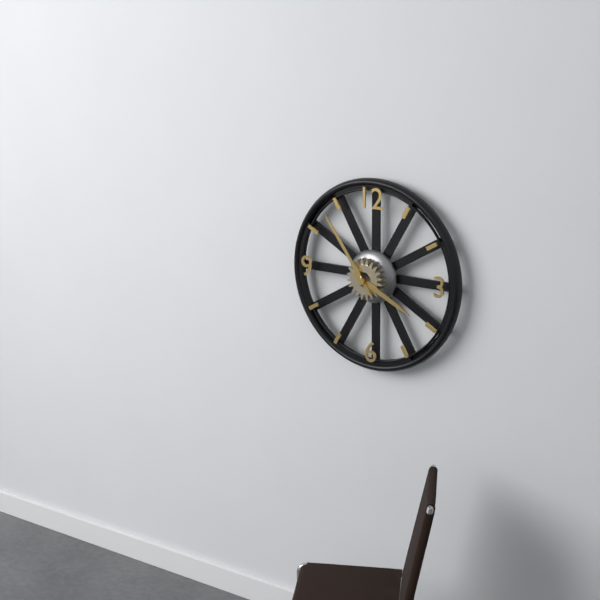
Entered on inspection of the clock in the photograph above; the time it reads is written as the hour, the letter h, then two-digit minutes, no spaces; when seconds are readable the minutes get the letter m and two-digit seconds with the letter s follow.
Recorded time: 3h54
